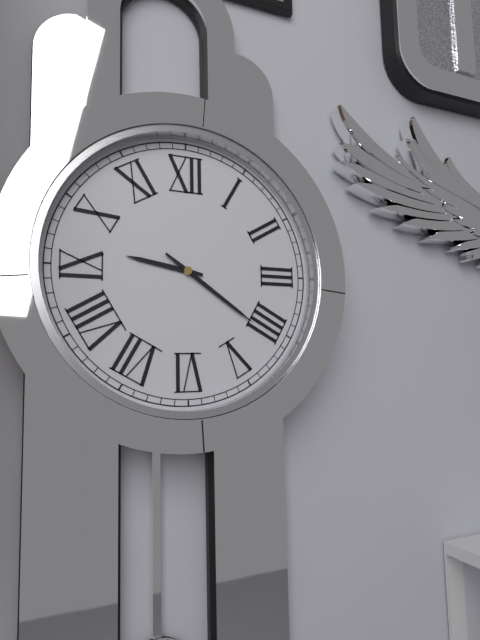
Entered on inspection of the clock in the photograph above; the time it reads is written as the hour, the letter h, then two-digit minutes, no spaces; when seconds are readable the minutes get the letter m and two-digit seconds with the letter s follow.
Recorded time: 9h21
